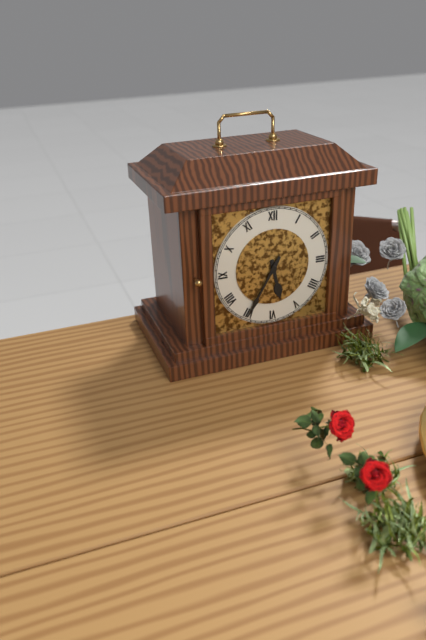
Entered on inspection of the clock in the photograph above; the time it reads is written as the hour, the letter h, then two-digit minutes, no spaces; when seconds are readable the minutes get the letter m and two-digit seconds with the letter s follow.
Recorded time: 5h35
